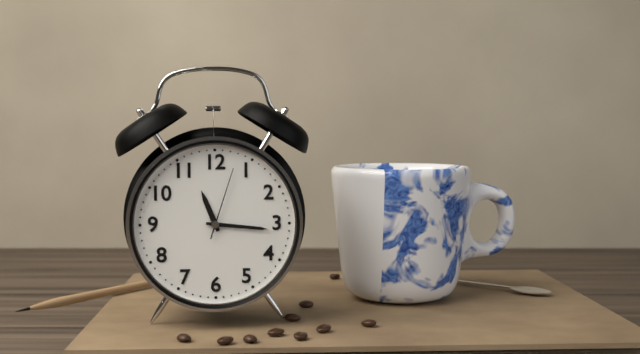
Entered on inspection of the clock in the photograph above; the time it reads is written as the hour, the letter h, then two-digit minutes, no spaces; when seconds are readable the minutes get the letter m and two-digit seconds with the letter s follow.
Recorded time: 11h16m03s
